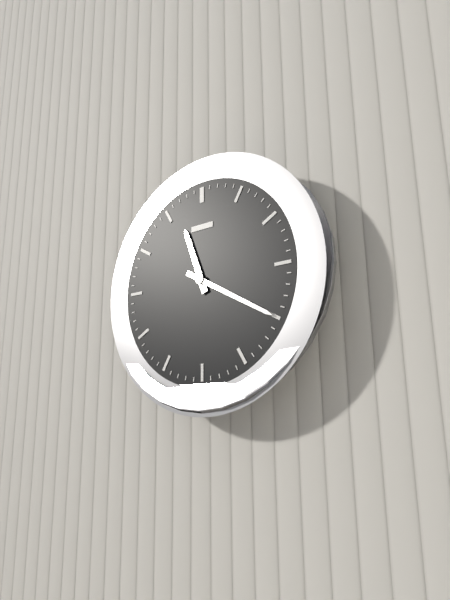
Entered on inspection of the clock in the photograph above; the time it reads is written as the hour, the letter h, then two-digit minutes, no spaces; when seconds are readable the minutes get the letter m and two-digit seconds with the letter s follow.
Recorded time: 11h20
